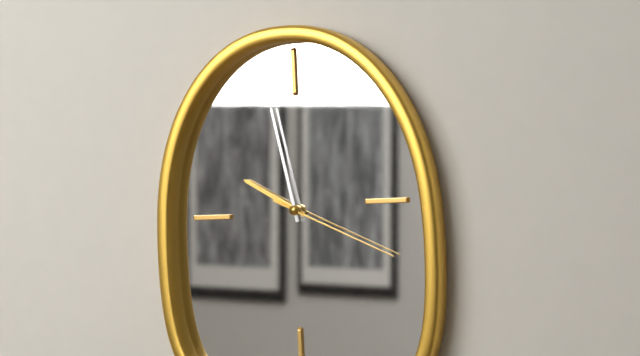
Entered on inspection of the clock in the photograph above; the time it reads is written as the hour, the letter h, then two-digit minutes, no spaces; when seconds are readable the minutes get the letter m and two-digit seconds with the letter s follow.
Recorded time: 9h58m19s
